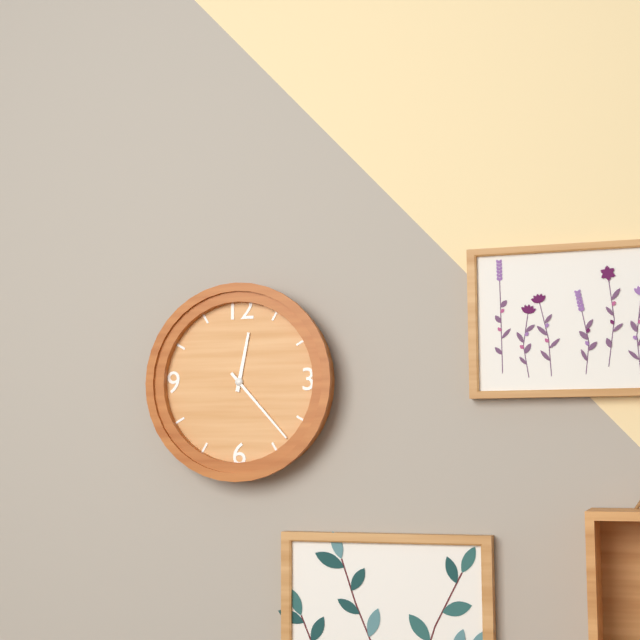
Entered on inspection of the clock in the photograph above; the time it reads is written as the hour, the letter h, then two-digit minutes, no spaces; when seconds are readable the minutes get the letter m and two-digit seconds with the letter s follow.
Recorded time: 12h23
